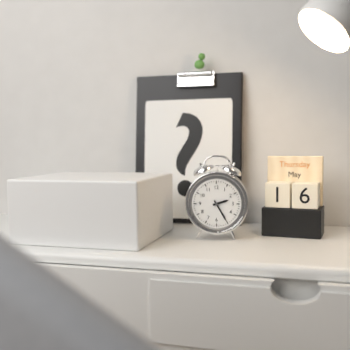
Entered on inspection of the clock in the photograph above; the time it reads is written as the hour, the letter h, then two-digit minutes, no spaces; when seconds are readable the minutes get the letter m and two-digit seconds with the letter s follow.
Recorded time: 2h25
